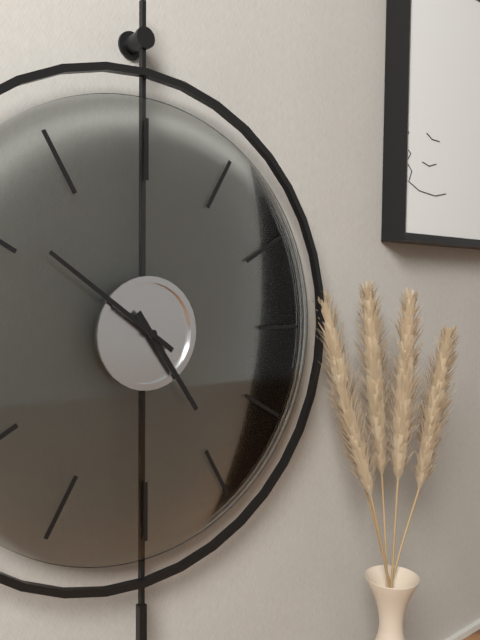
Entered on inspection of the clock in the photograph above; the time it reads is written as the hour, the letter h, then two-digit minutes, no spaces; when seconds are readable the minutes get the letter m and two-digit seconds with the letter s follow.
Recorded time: 4h51
